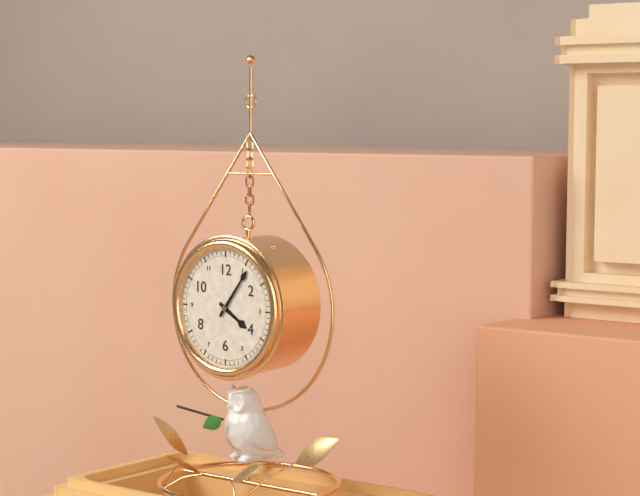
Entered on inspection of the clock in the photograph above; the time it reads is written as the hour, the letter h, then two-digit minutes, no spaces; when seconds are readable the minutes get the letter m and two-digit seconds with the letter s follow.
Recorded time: 4h06
